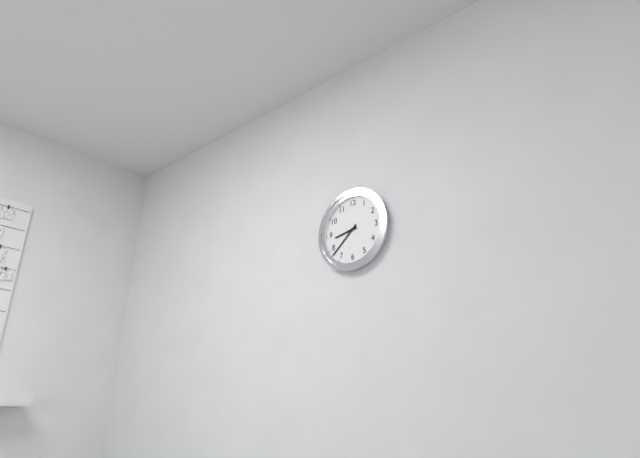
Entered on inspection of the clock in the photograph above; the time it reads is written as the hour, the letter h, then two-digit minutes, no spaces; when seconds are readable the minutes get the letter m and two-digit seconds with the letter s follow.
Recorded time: 8h38
